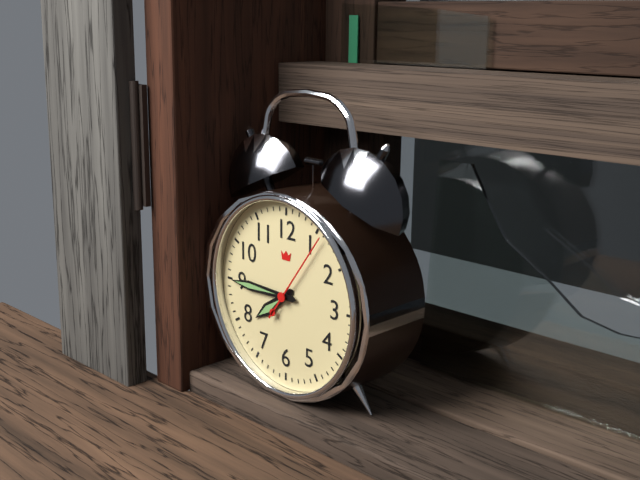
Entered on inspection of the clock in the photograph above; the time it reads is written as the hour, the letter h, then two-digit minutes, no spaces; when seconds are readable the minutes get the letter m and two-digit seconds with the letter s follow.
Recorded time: 7h45m06s
